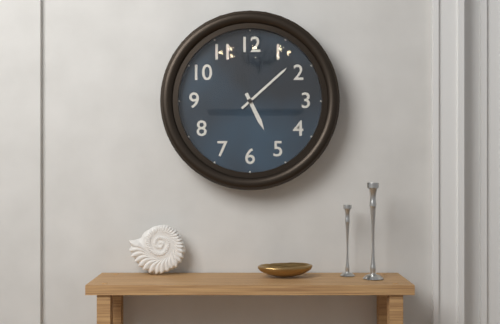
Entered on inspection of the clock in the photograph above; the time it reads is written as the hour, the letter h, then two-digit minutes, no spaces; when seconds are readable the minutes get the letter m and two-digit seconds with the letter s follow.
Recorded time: 5h08
